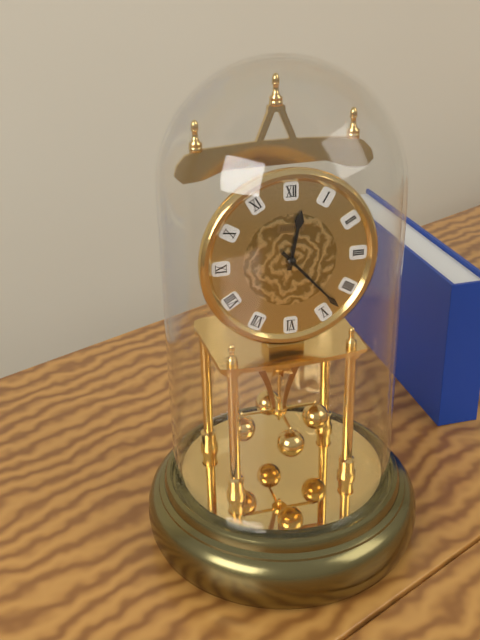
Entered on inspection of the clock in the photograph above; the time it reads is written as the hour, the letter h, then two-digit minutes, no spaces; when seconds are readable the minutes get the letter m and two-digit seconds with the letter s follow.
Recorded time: 12h23
